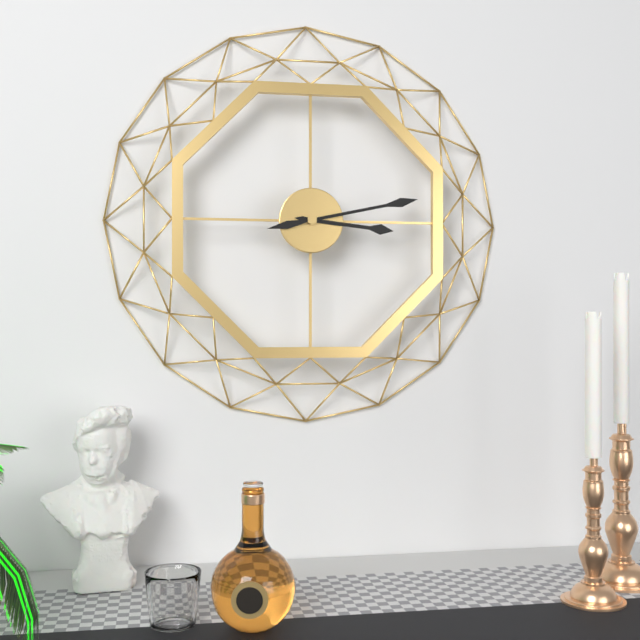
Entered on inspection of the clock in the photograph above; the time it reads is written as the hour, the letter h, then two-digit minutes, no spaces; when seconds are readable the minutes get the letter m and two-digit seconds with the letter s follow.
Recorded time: 3h13
